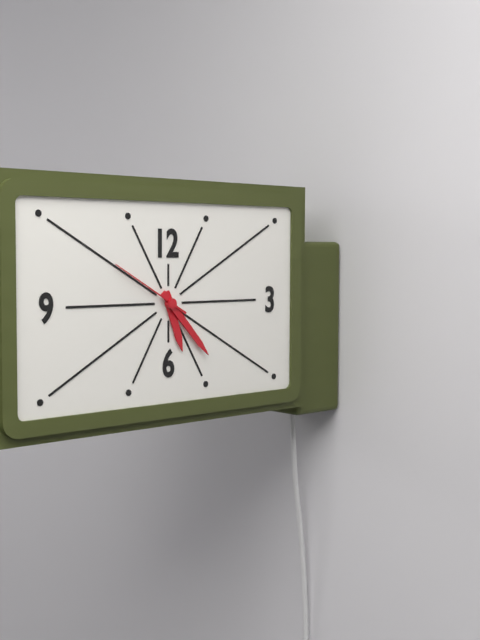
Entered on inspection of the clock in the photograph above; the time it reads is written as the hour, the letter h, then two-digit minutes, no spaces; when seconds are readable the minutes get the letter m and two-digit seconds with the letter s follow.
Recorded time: 5h23m50s
